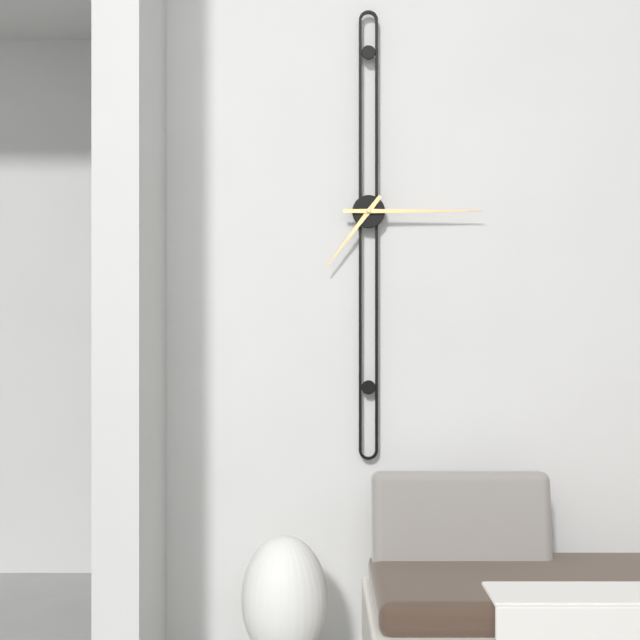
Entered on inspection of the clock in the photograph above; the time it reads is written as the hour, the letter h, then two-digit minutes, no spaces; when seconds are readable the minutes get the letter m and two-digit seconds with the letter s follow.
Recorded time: 7h15
